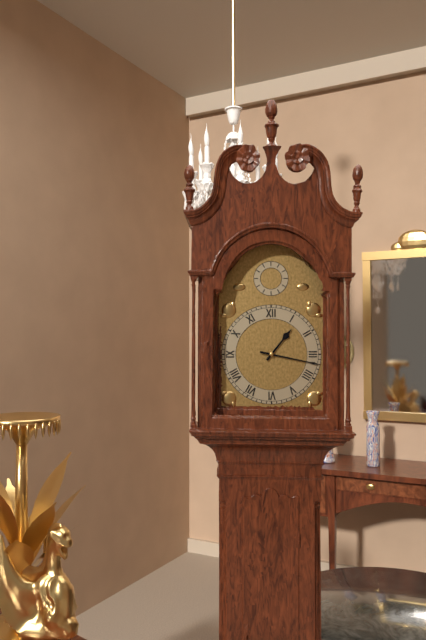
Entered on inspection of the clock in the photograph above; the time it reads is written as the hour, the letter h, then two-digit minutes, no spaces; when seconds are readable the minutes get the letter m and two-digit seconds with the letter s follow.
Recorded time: 1h17
